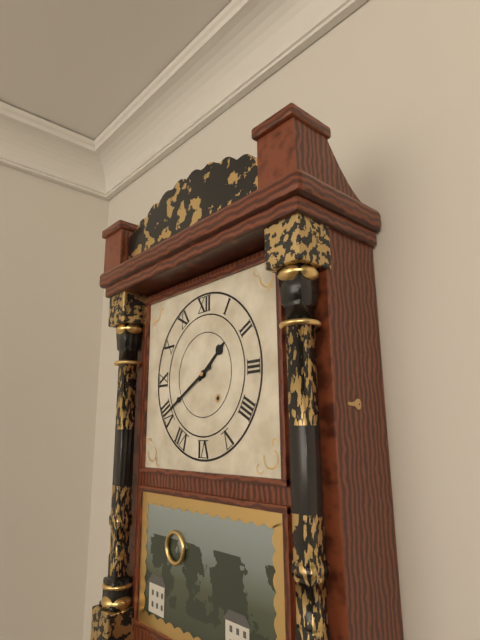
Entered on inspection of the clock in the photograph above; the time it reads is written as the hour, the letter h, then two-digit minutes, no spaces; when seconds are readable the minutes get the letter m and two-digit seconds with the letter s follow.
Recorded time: 1h40
